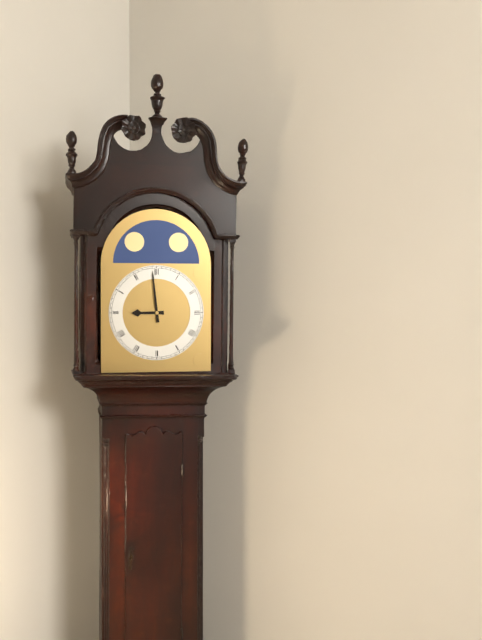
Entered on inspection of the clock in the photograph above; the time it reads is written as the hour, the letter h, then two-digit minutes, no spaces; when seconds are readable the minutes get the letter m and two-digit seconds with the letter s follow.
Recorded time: 8h59
